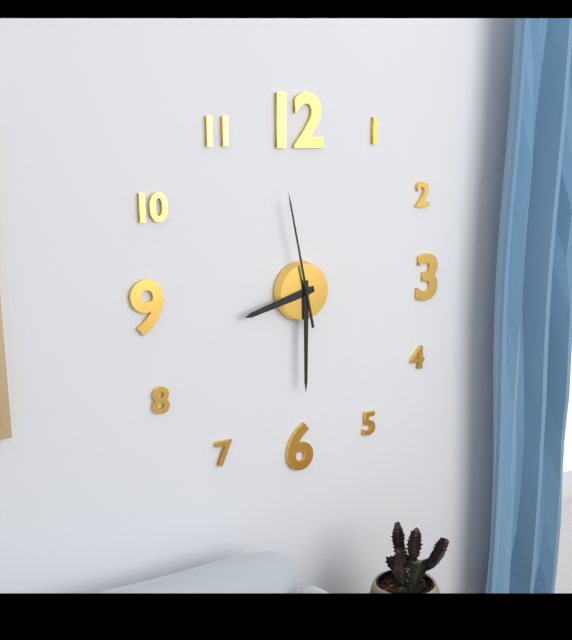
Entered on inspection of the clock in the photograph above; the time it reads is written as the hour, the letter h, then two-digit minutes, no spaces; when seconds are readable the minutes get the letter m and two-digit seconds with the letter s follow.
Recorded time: 8h30m58s
